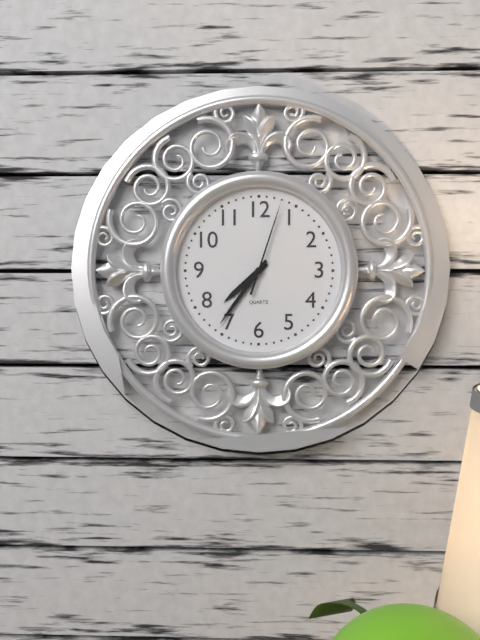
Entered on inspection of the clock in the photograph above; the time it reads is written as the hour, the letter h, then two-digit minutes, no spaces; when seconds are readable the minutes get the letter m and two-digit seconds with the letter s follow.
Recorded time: 7h36m03s
